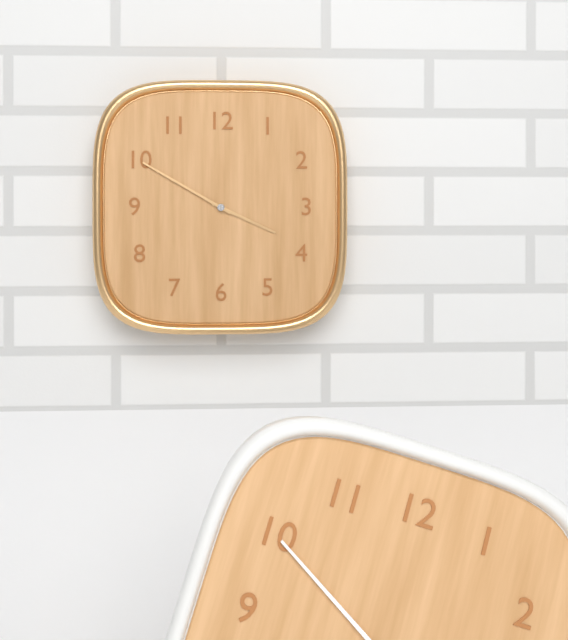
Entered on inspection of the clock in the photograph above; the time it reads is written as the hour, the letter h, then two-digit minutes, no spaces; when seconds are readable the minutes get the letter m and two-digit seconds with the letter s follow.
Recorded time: 3h50
